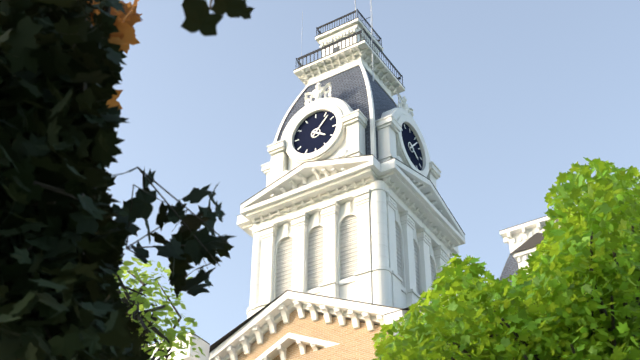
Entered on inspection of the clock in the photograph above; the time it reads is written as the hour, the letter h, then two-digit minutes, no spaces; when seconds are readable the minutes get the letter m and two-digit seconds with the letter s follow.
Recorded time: 4h07
